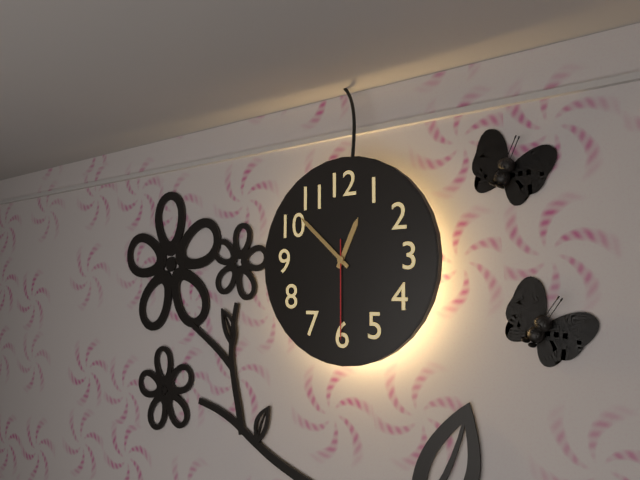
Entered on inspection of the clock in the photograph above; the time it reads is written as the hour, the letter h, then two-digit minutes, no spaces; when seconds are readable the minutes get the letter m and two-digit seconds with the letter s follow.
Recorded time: 12h52m30s
